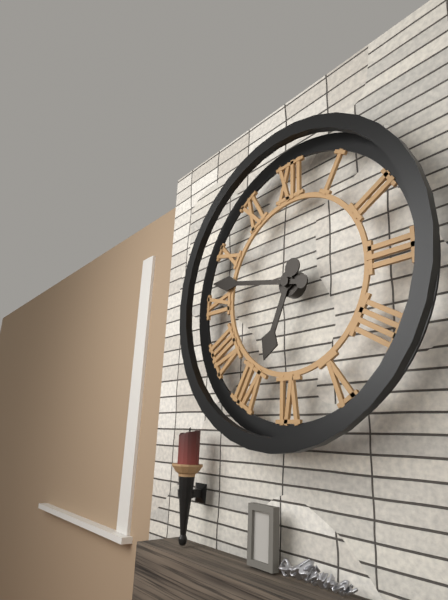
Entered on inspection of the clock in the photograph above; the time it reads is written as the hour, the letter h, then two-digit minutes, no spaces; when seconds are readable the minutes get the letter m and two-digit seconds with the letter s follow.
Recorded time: 6h47
